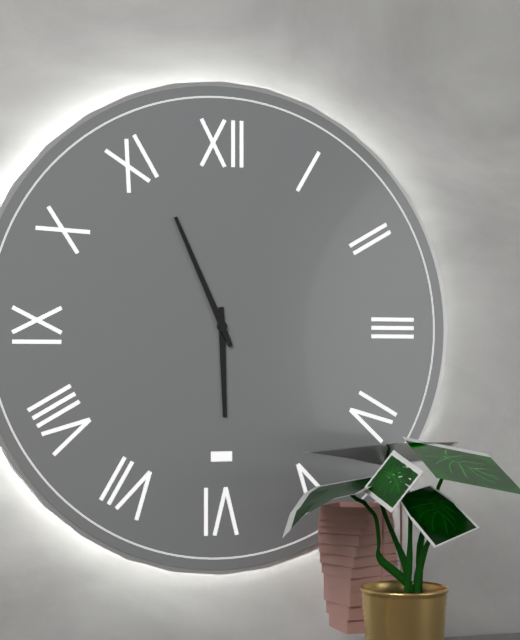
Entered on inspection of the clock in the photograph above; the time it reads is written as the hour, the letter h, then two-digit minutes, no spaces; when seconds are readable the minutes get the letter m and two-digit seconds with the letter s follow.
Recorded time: 5h56
